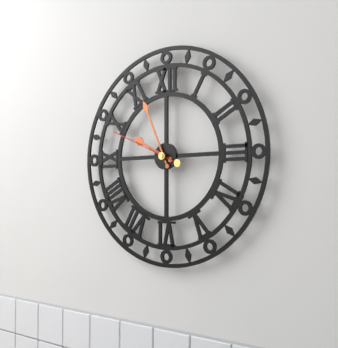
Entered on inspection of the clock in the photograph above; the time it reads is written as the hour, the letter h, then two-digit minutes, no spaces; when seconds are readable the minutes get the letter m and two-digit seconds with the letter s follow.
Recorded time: 9h56m49s
